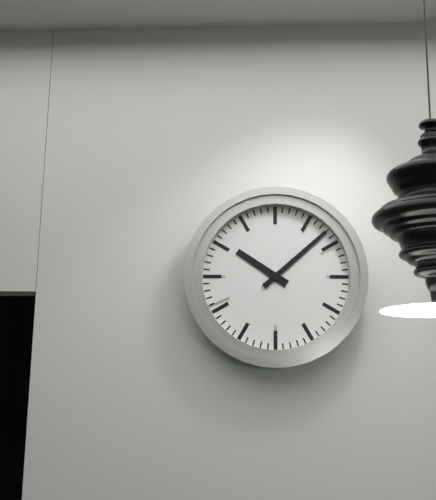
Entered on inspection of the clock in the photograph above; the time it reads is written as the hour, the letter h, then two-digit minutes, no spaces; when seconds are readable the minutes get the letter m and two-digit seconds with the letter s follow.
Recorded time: 10h08
